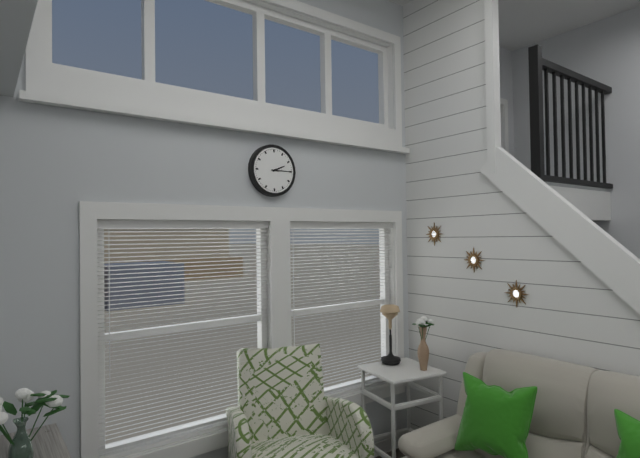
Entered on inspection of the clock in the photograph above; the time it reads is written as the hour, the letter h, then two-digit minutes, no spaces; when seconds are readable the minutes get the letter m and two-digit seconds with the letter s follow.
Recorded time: 2h15
